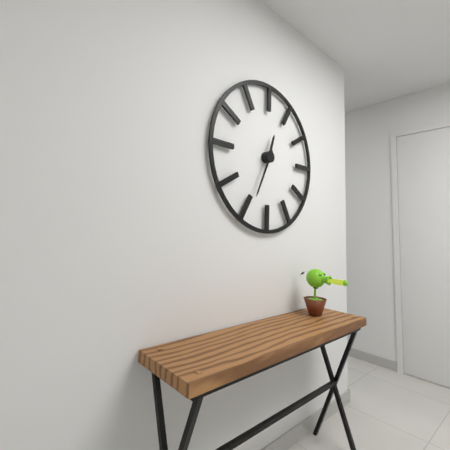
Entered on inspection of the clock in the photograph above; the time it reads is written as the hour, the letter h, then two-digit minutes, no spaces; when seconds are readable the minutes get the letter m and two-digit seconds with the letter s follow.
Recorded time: 12h34
